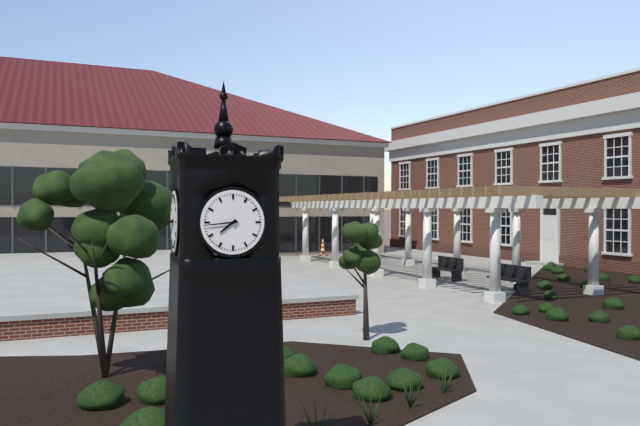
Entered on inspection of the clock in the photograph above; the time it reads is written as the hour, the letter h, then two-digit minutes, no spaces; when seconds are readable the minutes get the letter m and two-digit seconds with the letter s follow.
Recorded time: 7h44
